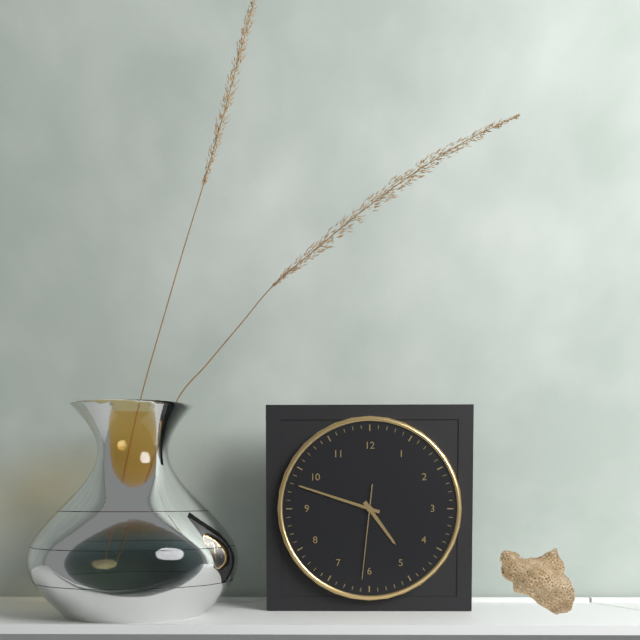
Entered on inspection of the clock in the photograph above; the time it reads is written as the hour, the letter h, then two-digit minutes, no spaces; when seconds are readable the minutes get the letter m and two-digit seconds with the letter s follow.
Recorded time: 4h48m31s
